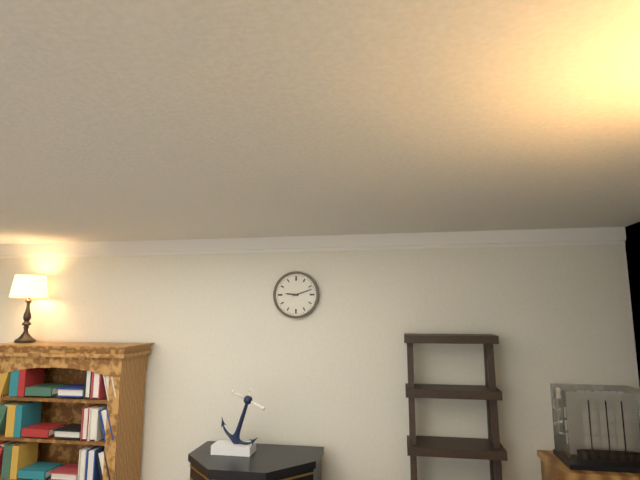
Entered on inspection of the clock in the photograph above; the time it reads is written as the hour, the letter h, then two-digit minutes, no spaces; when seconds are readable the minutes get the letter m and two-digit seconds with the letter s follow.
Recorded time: 9h12
